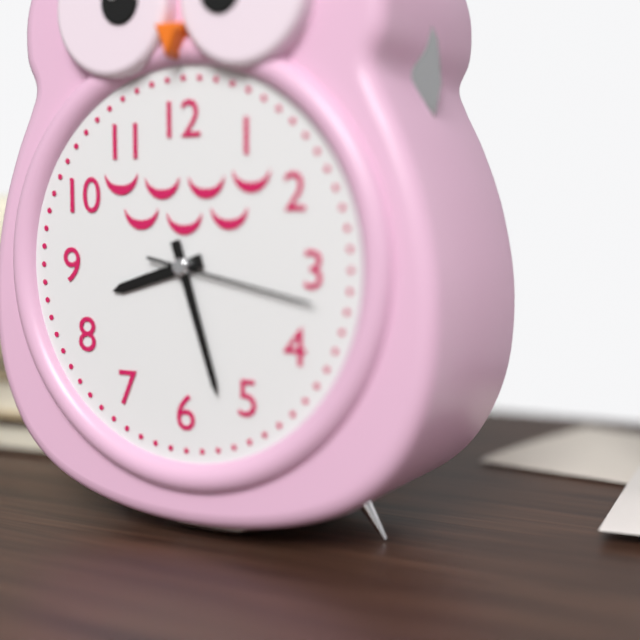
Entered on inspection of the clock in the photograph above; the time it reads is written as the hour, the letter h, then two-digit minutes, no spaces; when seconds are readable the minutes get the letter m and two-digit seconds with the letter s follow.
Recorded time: 8h27m17s
